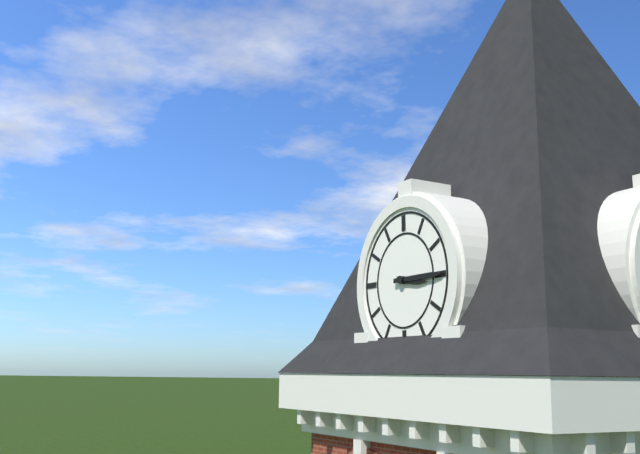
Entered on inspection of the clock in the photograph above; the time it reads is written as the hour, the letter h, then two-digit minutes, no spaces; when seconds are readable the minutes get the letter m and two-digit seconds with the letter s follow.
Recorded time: 3h15
